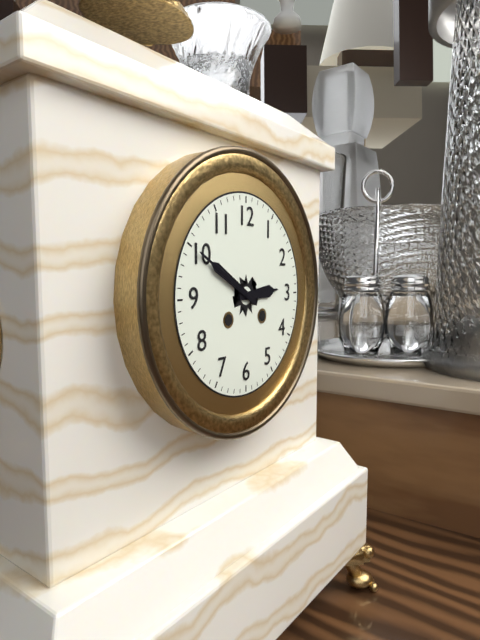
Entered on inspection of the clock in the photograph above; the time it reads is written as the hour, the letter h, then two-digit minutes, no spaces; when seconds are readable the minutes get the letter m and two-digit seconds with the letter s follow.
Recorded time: 2h50
